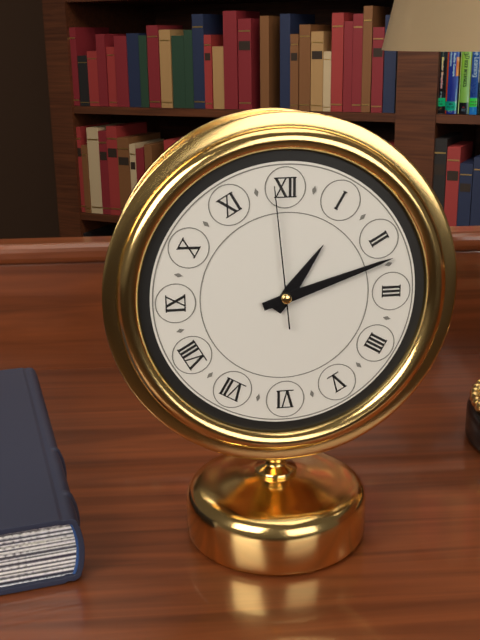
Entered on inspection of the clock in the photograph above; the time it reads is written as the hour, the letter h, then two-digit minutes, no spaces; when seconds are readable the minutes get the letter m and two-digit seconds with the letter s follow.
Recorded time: 1h12m59s
